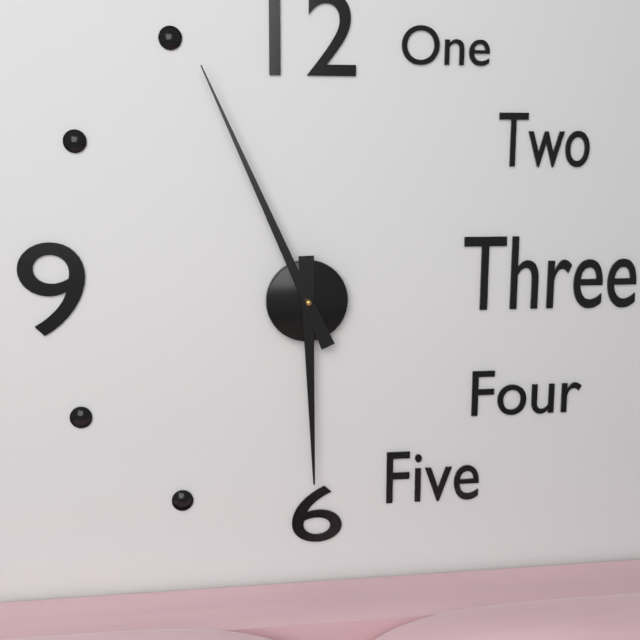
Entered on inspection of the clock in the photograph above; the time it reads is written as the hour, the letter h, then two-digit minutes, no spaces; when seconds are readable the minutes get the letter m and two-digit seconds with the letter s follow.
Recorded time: 5h56
